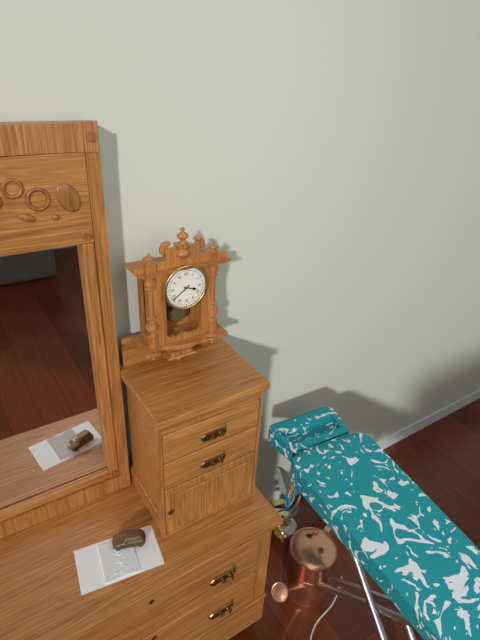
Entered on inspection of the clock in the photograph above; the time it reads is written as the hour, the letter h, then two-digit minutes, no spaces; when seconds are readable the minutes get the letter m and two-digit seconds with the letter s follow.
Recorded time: 3h39
